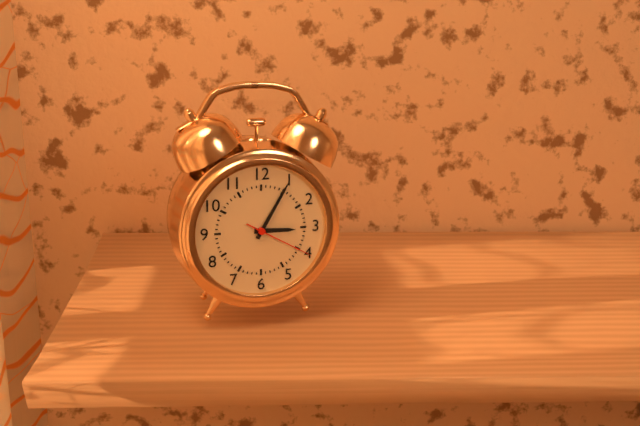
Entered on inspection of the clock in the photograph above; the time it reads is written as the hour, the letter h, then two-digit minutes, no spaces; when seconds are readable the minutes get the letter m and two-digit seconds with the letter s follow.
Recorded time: 3h05m20s
